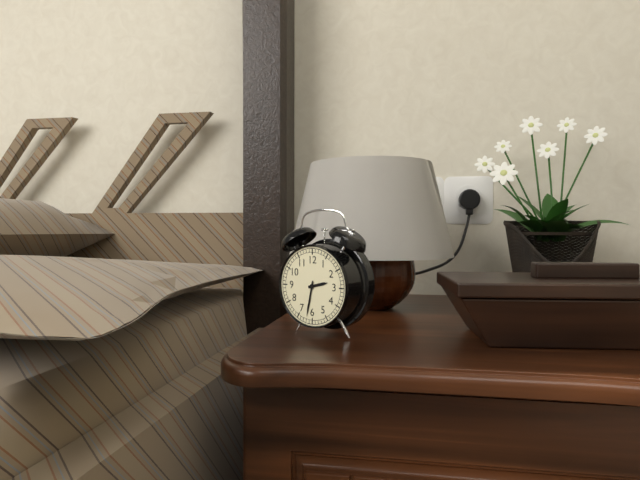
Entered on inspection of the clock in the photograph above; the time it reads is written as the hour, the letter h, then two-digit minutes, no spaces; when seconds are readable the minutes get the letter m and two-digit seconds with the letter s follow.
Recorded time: 2h32
